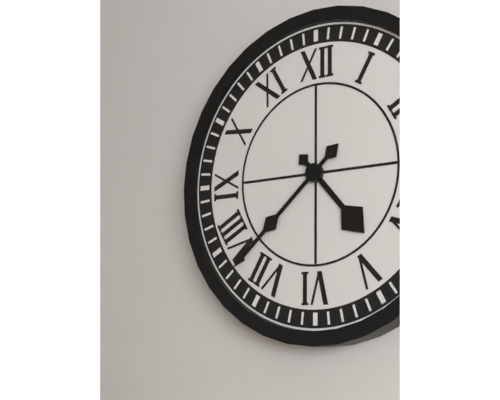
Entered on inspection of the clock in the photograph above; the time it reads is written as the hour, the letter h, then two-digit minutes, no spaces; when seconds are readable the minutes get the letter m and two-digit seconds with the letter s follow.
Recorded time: 4h38
